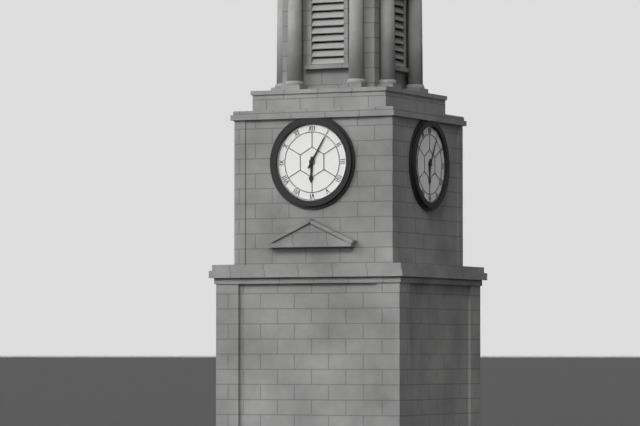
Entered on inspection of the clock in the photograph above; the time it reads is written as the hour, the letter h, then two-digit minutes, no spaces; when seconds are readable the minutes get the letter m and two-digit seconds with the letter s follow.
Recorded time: 6h05
